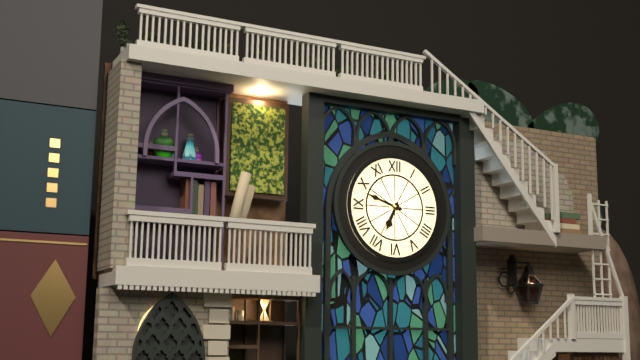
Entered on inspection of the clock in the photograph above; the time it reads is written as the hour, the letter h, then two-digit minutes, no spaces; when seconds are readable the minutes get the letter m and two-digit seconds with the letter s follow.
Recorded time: 6h48
